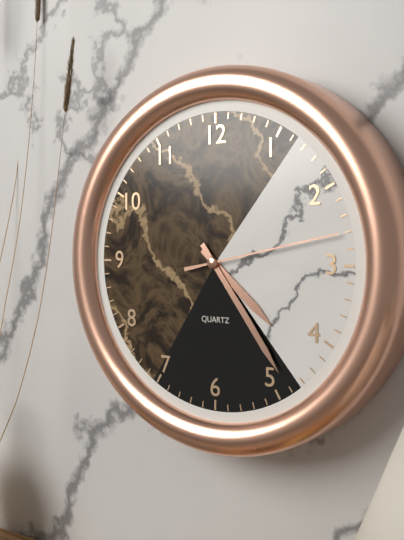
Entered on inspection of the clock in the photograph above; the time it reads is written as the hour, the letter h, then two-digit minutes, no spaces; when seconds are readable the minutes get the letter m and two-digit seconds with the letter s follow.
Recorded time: 4h24m13s
